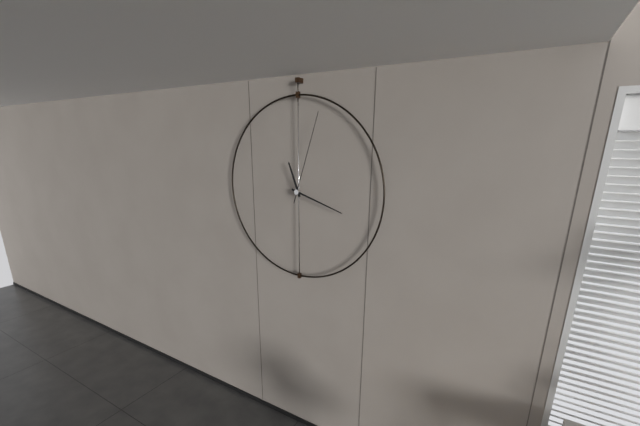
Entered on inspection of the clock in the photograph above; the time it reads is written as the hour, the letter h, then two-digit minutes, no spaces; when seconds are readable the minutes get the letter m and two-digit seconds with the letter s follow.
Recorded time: 11h18m03s
